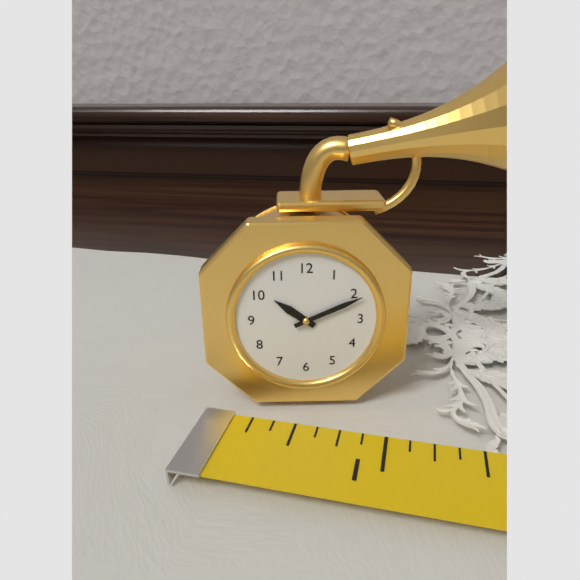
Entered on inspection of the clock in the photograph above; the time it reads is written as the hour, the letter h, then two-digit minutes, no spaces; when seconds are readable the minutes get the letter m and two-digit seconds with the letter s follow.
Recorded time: 10h11
